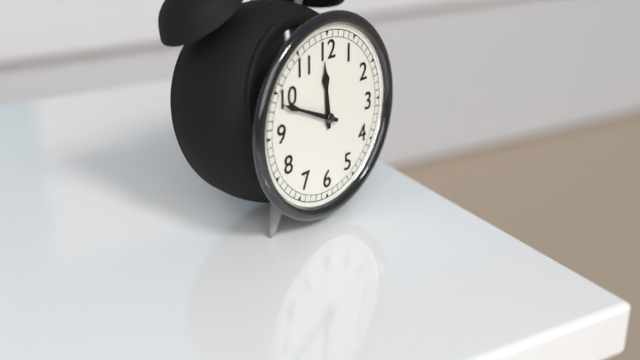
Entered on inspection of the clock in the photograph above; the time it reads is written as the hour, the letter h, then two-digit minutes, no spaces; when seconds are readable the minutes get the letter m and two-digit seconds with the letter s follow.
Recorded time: 11h49
